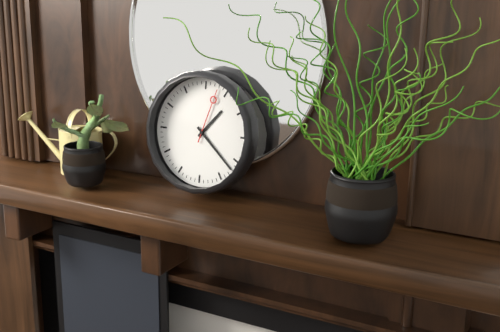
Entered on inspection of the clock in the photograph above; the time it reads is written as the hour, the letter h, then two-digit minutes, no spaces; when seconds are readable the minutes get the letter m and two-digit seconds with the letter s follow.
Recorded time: 1h22m03s
